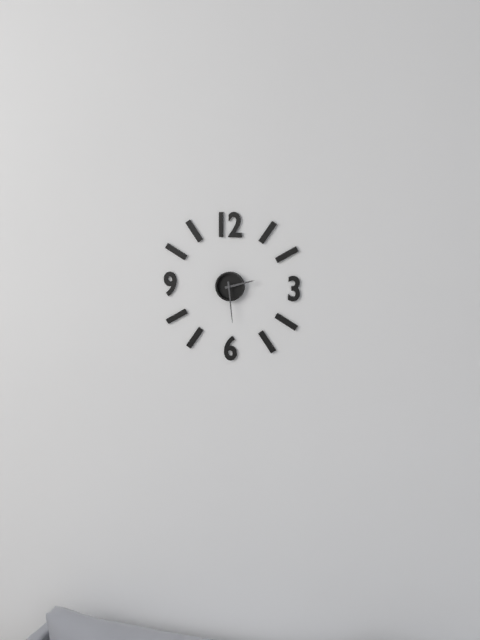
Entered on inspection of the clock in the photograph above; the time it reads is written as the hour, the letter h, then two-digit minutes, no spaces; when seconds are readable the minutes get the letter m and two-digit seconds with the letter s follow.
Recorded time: 2h29
